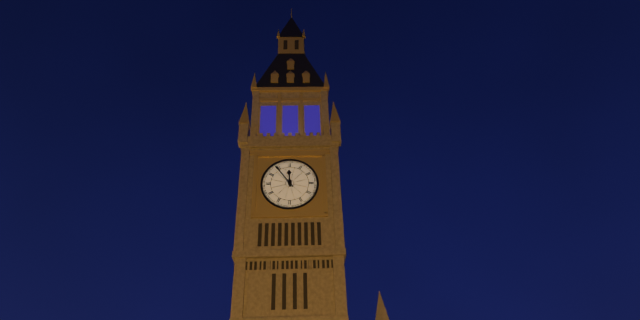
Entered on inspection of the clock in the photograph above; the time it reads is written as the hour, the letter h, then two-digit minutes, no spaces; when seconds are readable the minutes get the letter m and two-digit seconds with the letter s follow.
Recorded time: 11h54
